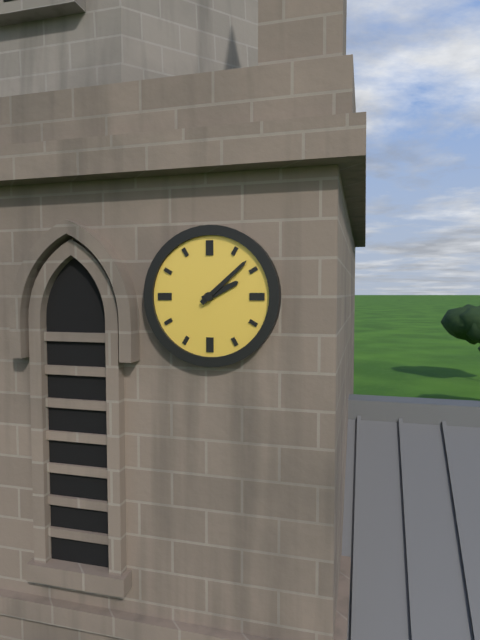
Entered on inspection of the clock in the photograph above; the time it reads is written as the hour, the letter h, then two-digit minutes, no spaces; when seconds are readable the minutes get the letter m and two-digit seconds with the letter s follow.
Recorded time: 2h08
